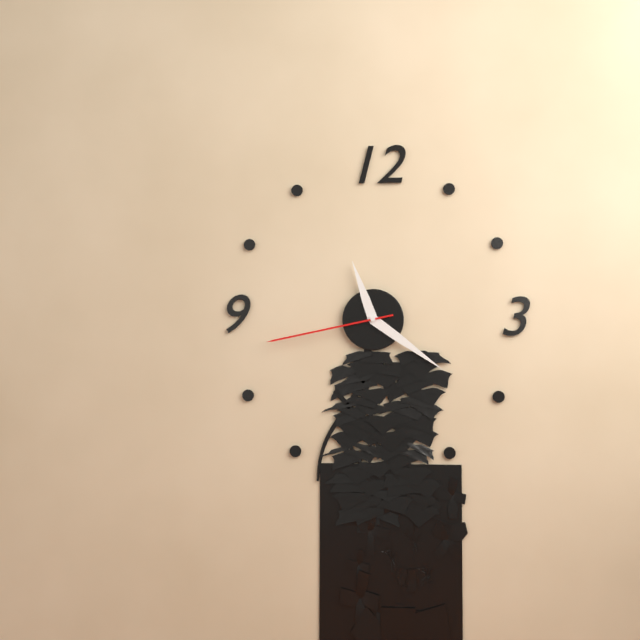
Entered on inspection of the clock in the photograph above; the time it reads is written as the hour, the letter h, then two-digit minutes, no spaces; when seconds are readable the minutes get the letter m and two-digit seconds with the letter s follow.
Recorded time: 11h21m43s
